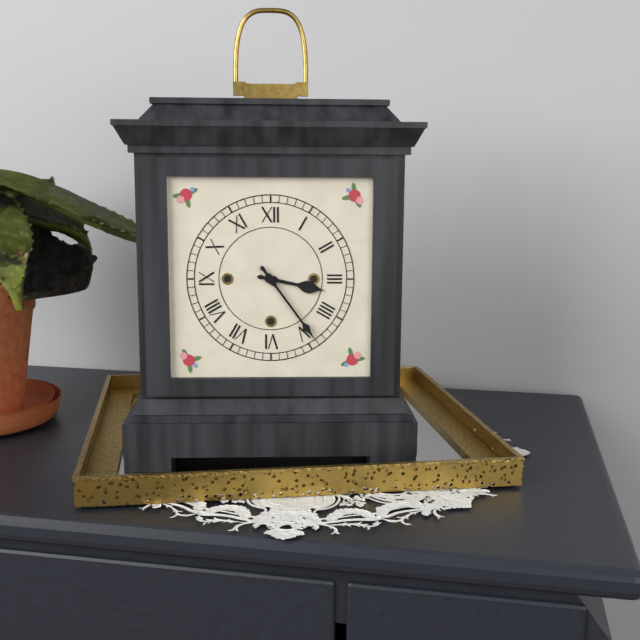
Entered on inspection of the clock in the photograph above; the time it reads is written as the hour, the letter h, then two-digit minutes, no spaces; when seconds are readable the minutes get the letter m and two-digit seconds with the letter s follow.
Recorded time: 3h24
